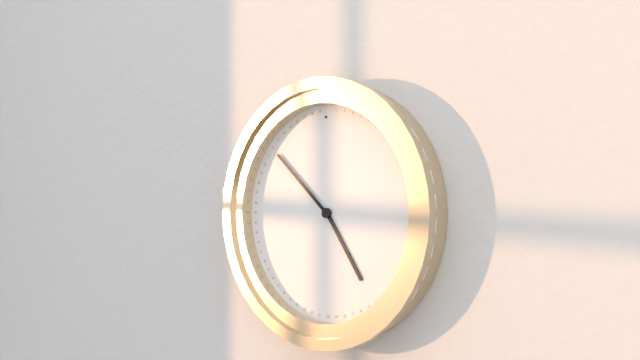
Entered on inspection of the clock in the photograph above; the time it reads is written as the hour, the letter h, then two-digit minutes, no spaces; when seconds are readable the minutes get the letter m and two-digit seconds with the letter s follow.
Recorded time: 4h52
